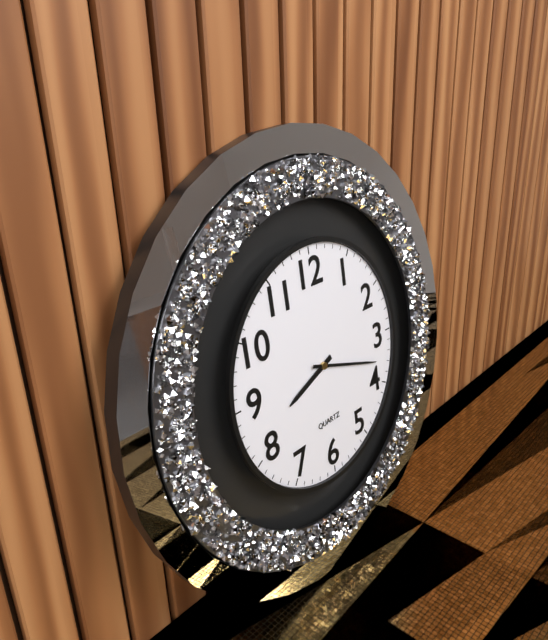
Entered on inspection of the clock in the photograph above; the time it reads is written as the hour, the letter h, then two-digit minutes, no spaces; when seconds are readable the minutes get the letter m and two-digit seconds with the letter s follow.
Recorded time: 8h18
